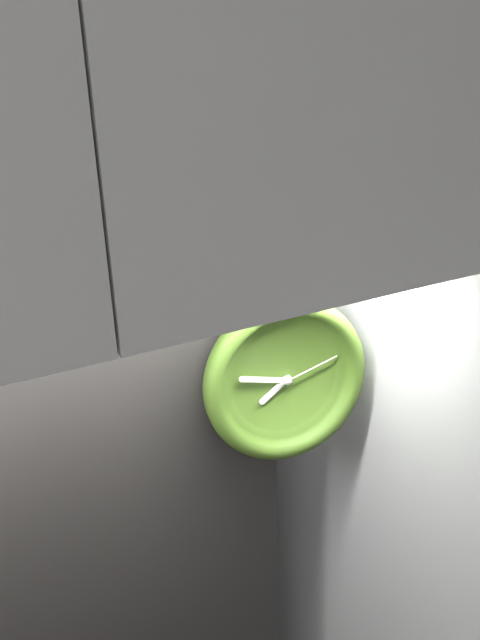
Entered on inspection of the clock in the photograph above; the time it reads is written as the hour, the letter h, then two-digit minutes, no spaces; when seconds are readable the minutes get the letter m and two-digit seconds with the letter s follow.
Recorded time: 7h47m12s
